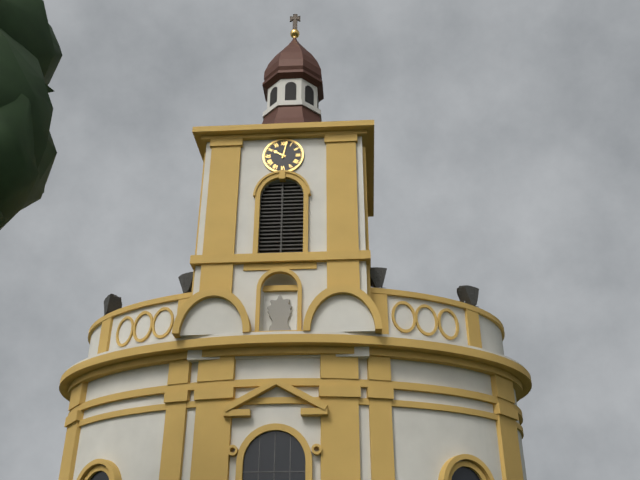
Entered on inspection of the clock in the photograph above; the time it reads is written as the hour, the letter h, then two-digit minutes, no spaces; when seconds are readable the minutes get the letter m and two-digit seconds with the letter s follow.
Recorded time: 10h02
